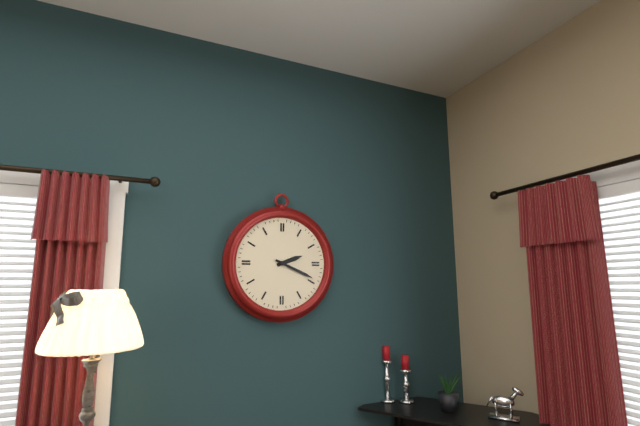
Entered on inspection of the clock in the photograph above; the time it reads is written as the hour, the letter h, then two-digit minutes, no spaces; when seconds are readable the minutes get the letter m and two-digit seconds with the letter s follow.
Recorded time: 2h19
